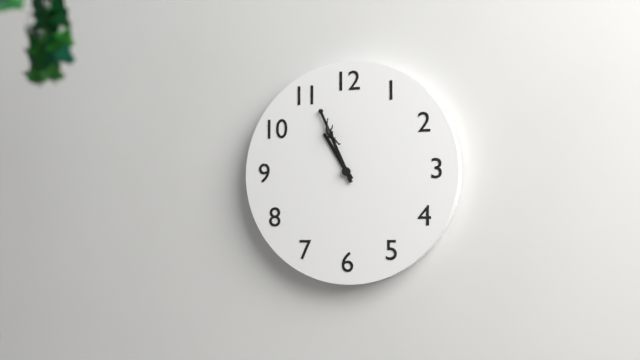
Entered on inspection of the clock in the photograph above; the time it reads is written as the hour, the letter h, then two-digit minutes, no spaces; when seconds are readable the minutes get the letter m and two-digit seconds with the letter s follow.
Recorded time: 10h56
